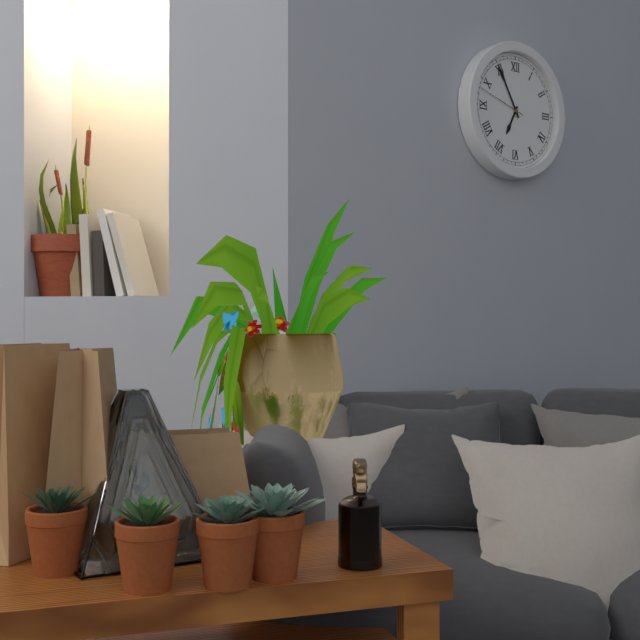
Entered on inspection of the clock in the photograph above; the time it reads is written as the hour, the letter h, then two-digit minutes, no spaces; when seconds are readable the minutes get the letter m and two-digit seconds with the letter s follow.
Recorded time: 6h55m48s
